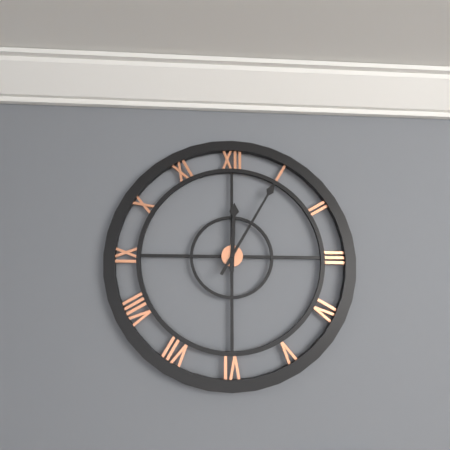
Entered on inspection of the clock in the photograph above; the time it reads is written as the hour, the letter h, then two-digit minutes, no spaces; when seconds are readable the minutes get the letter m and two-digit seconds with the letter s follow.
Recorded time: 12h05
